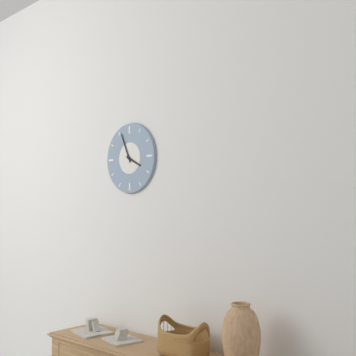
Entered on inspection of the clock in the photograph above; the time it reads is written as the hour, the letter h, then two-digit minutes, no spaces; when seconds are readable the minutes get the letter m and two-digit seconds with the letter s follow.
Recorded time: 3h56
